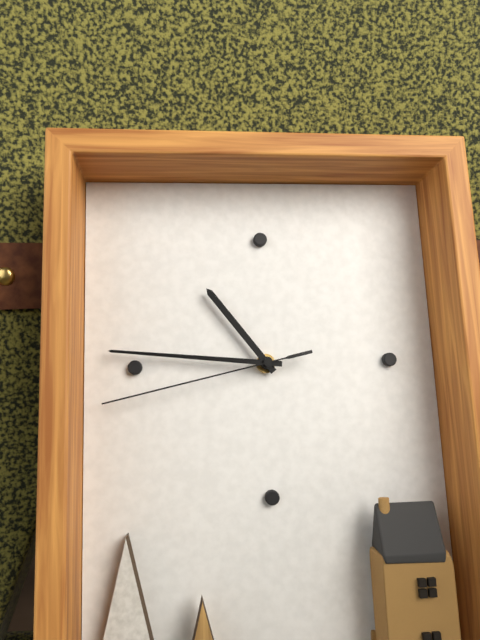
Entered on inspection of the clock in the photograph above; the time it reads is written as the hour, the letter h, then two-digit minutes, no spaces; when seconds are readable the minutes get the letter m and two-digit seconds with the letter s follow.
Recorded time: 10h46m43s
